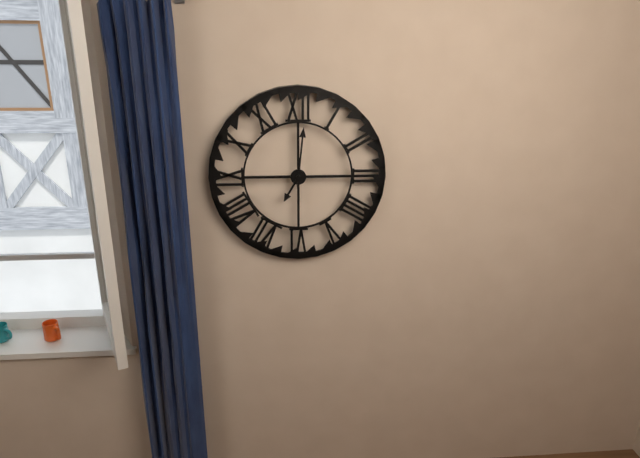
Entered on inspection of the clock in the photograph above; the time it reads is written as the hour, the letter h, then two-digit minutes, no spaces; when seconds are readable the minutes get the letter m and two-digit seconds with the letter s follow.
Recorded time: 7h01
